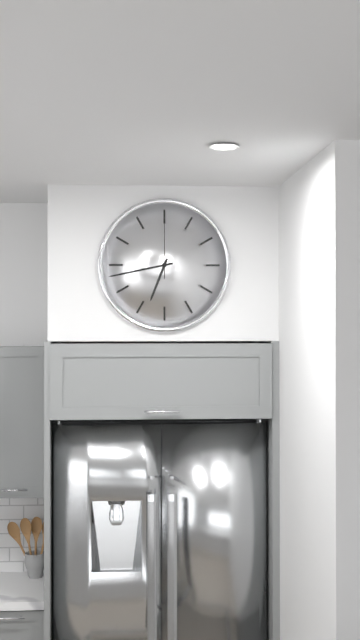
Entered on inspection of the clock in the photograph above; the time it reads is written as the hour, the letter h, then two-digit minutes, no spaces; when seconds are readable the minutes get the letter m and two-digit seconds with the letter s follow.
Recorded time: 6h43m00s
